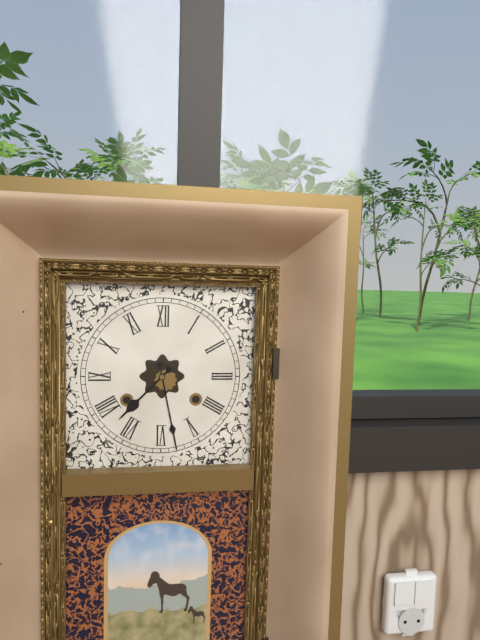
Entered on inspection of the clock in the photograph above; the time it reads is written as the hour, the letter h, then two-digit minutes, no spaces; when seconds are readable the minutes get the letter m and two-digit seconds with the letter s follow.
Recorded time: 7h28
